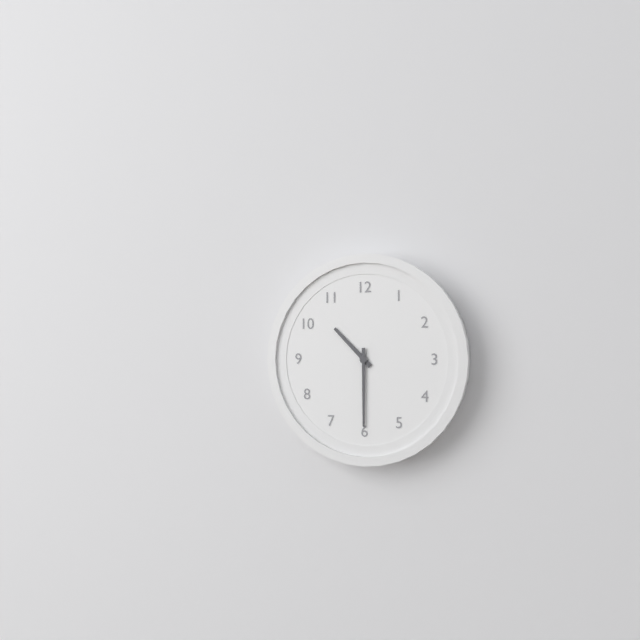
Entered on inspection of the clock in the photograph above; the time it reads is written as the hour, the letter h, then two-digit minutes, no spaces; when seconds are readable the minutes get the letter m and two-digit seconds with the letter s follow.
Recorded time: 10h30
